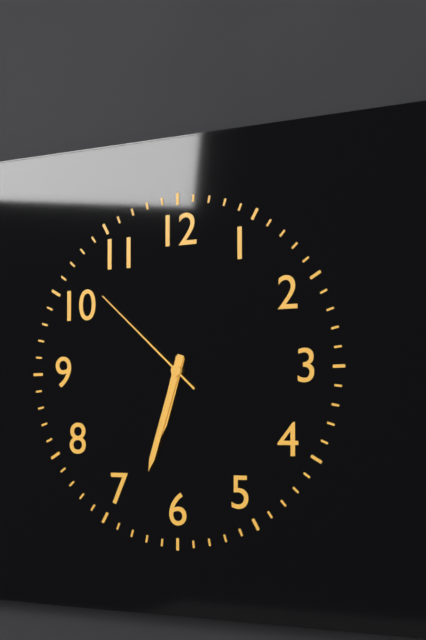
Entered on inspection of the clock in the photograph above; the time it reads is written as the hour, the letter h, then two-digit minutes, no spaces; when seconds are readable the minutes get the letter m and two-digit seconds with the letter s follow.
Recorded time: 6h33m52s
